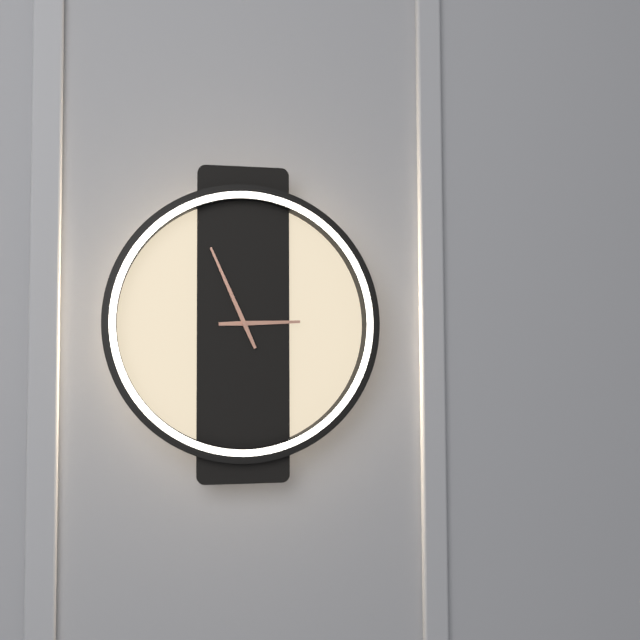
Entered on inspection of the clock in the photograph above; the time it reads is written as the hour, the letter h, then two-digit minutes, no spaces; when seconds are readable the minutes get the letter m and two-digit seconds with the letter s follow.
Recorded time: 2h56
